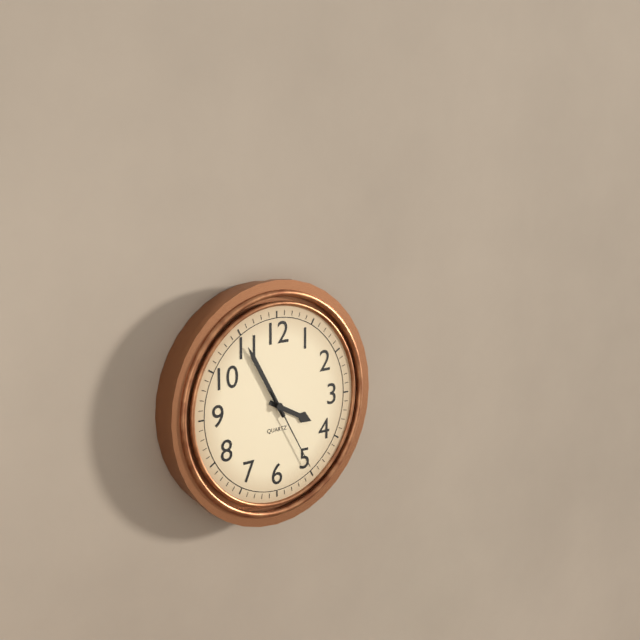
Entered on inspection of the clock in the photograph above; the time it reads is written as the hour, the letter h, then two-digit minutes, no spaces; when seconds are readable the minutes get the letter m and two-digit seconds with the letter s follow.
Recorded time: 3h55m25s
